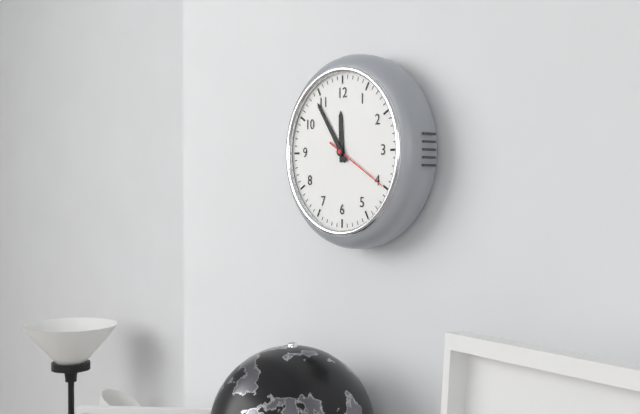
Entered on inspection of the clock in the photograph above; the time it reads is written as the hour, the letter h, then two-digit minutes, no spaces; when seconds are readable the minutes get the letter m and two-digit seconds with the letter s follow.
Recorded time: 11h54
